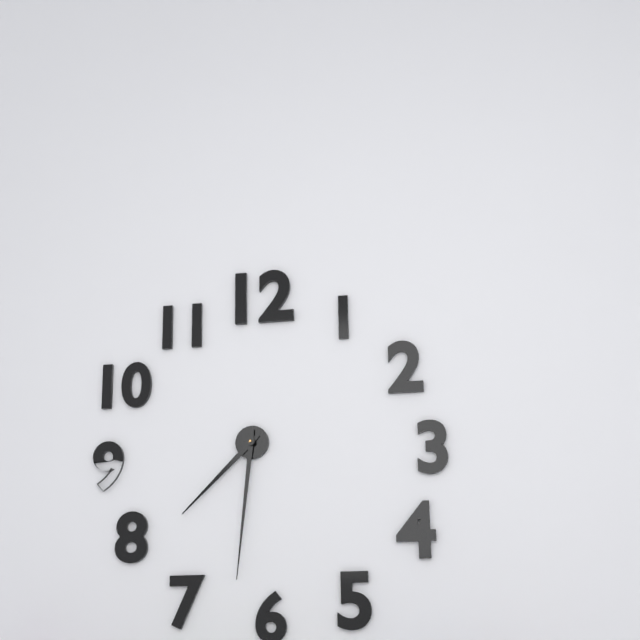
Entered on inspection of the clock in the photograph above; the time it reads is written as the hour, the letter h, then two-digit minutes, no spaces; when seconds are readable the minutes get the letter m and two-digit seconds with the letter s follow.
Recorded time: 7h31
